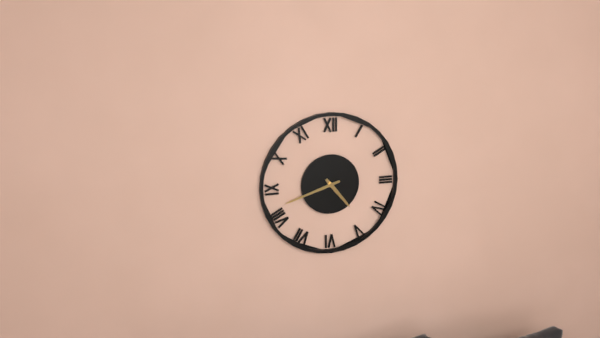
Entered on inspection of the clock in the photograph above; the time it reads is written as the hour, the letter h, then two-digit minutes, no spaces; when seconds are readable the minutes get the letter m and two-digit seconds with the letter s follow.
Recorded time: 4h42
